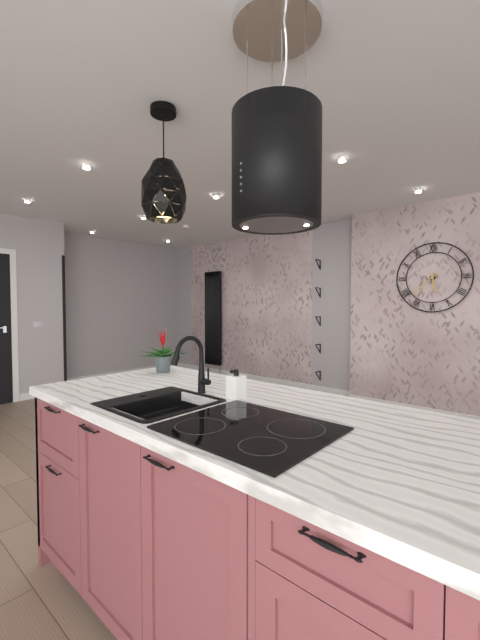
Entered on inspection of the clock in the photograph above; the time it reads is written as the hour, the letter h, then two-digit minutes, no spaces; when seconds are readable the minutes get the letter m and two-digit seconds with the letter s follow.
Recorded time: 5h38
